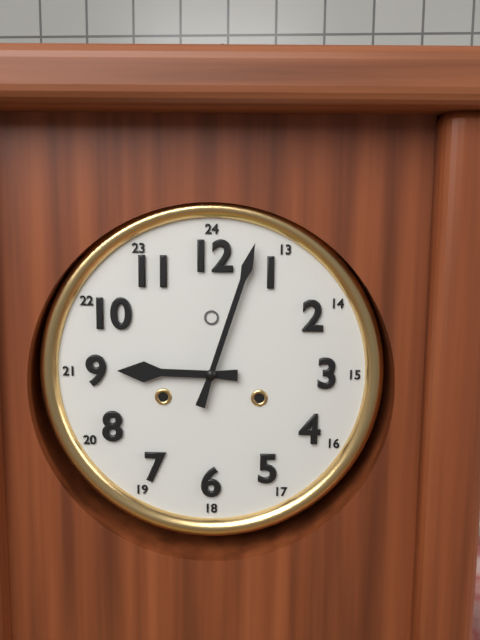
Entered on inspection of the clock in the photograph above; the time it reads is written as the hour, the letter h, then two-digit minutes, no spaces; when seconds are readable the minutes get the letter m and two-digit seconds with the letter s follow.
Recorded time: 9h03
